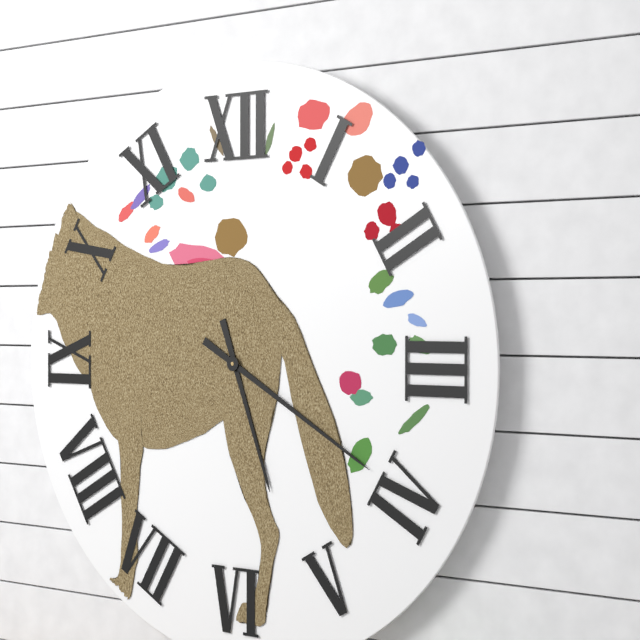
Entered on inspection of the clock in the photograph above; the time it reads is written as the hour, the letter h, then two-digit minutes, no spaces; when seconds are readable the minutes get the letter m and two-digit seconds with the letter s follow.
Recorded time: 5h20
